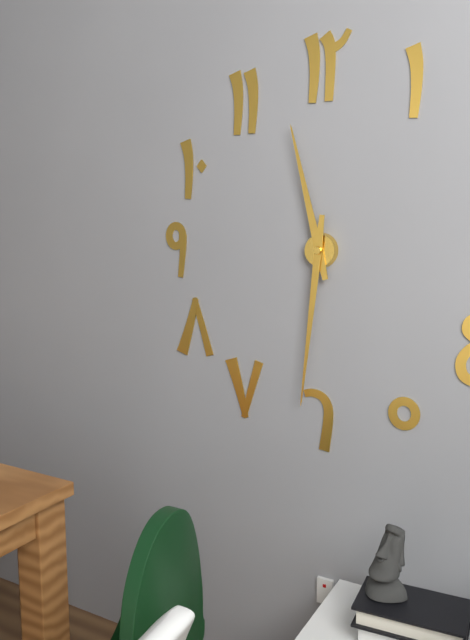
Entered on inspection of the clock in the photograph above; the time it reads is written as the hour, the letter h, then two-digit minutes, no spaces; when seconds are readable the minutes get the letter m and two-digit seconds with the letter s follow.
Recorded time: 11h31
